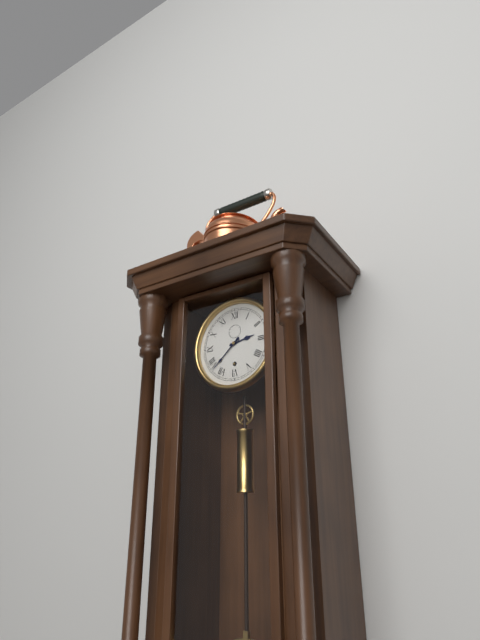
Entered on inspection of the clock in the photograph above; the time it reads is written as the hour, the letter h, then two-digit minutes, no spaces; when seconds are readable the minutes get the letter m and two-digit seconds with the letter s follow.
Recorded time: 2h38
